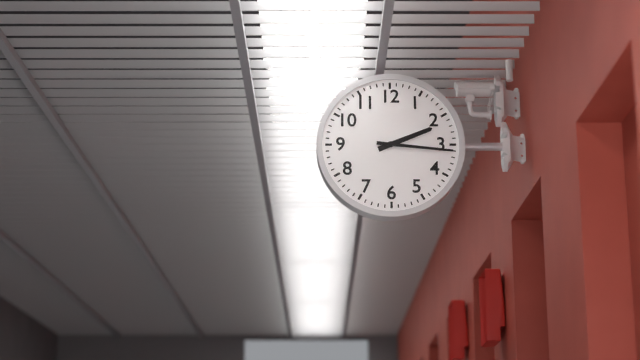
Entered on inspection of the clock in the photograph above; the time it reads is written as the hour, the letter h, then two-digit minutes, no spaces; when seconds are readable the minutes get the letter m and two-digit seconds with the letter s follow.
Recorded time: 2h16
